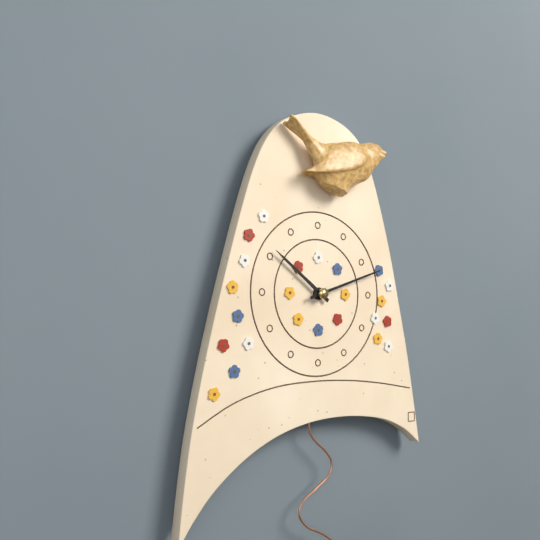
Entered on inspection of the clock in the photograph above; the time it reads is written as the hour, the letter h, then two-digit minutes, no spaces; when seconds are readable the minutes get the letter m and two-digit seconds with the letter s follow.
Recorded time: 10h12
